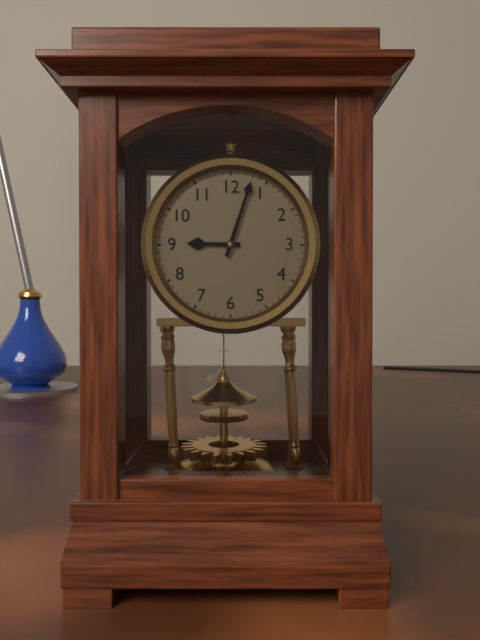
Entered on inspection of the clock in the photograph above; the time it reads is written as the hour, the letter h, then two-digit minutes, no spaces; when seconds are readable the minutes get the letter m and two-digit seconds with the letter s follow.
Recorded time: 9h03
